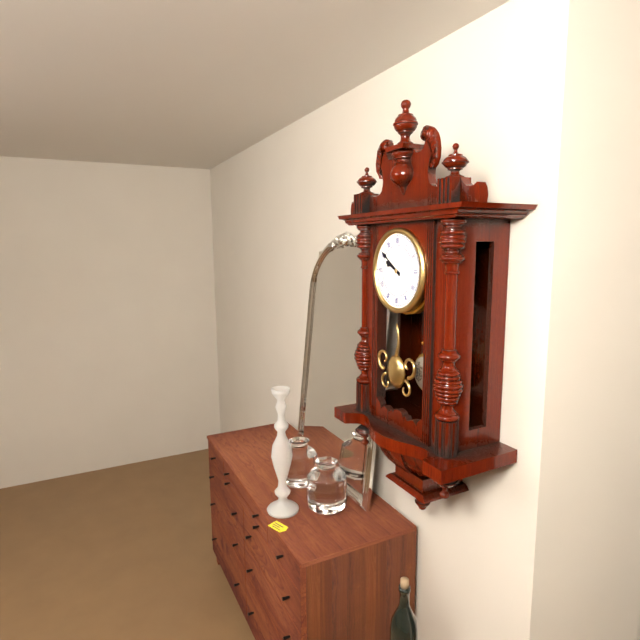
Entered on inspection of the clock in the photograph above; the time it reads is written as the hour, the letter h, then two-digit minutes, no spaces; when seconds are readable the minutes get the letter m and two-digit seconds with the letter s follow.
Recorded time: 9h51
